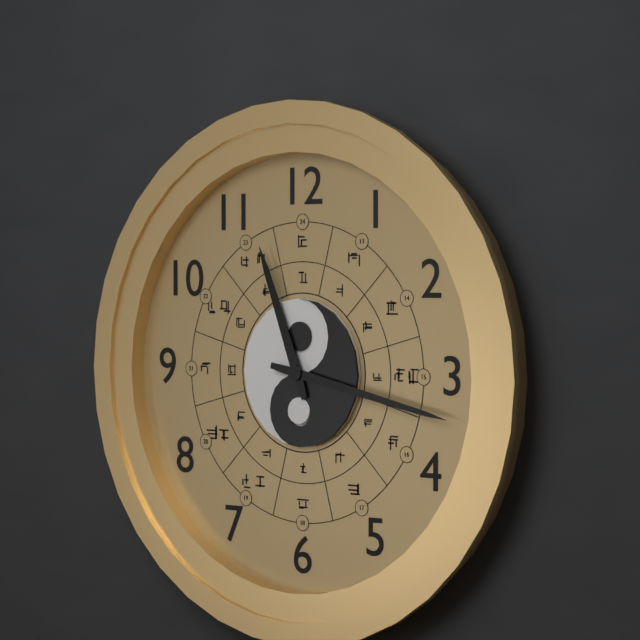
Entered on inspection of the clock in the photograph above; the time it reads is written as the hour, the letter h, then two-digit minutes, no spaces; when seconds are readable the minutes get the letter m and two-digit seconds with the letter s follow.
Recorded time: 11h17
